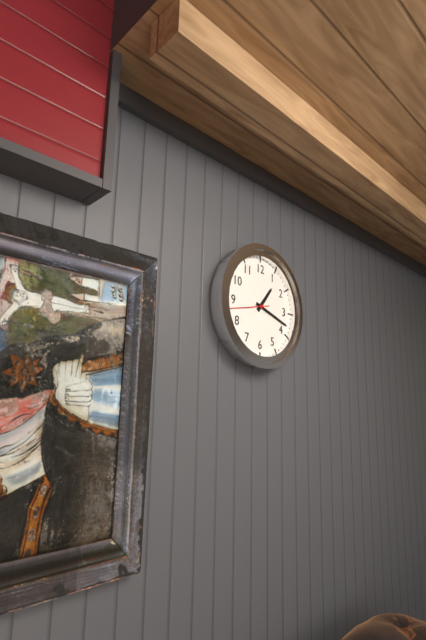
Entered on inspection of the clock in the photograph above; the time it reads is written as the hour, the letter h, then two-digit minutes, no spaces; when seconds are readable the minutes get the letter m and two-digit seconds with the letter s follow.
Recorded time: 1h18
